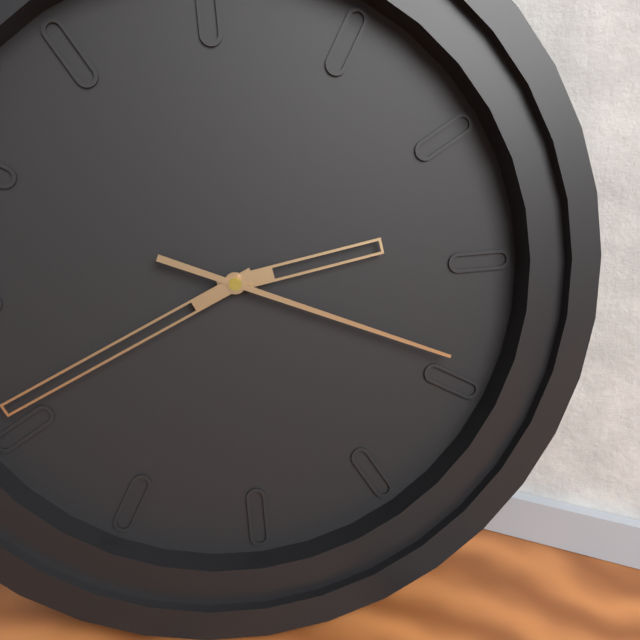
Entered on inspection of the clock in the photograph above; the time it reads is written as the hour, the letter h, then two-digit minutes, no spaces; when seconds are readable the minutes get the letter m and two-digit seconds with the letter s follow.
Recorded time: 2h41m19s
